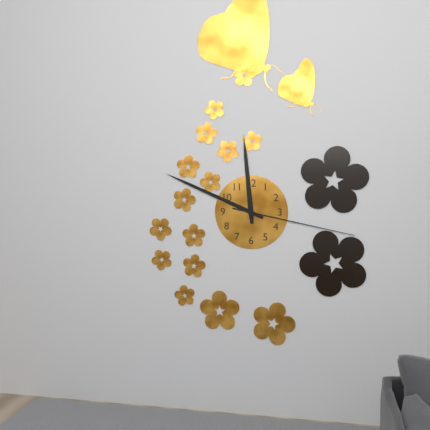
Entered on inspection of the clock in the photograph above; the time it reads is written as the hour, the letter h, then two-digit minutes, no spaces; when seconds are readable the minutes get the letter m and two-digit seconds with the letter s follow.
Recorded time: 11h49m17s
